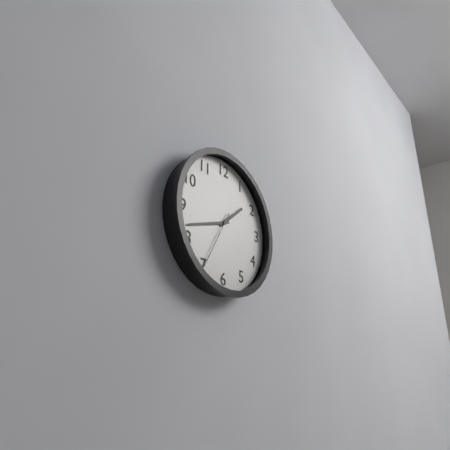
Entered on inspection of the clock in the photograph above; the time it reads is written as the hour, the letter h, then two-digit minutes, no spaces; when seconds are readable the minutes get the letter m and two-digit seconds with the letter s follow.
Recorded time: 1h42m35s
